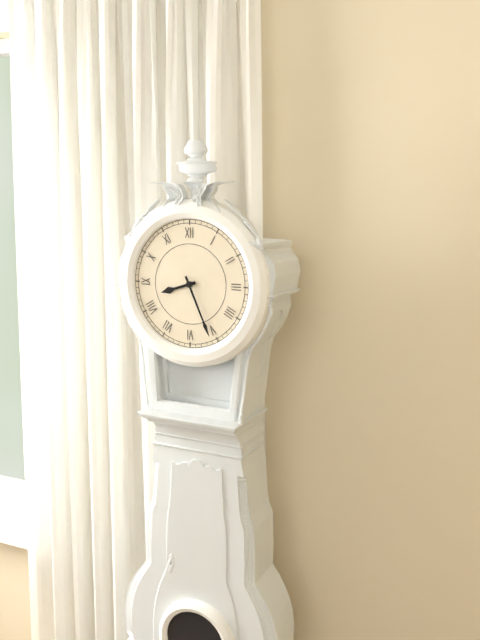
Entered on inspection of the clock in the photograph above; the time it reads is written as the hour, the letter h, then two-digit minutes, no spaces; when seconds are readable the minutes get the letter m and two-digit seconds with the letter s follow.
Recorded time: 8h26
